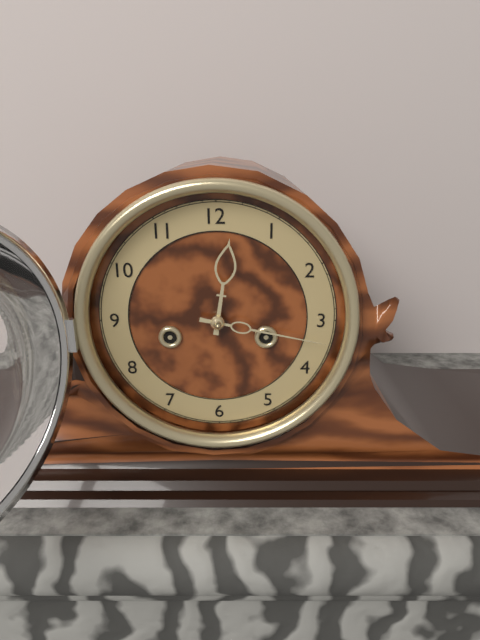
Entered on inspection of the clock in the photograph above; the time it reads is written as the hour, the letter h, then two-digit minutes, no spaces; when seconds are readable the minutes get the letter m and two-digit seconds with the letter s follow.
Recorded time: 12h17
